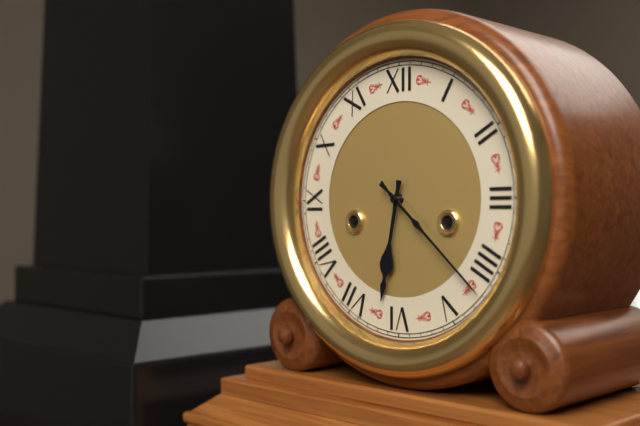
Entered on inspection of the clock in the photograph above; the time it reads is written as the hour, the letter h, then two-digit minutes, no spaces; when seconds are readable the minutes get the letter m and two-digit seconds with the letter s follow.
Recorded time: 6h22
